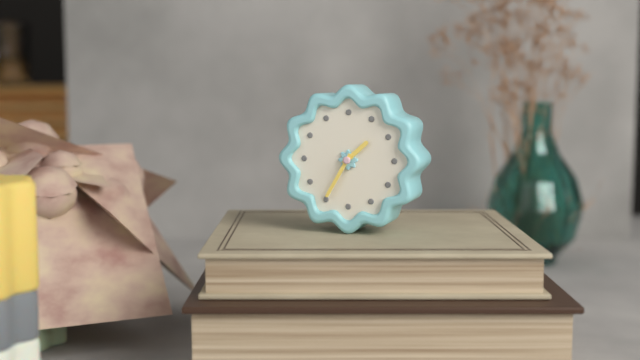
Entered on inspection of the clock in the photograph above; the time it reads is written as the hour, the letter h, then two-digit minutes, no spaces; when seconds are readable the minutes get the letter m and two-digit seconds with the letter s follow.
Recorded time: 1h35
